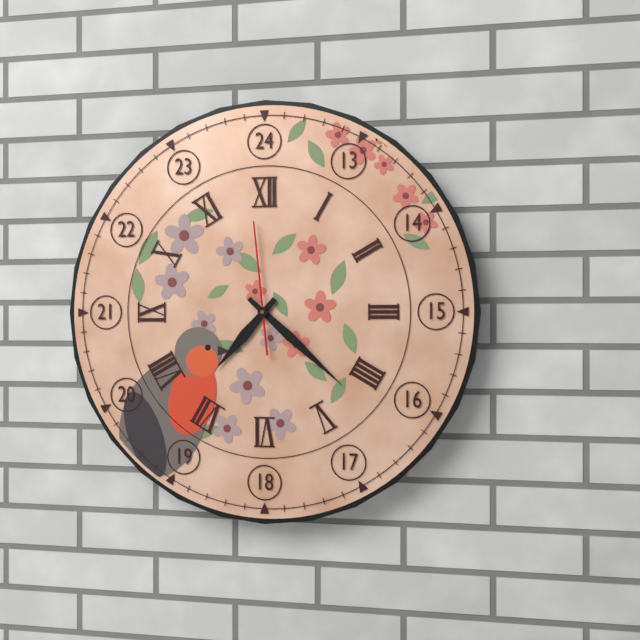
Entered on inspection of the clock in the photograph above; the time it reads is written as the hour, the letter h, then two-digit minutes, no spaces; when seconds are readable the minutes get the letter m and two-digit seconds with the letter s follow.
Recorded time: 7h22m59s
